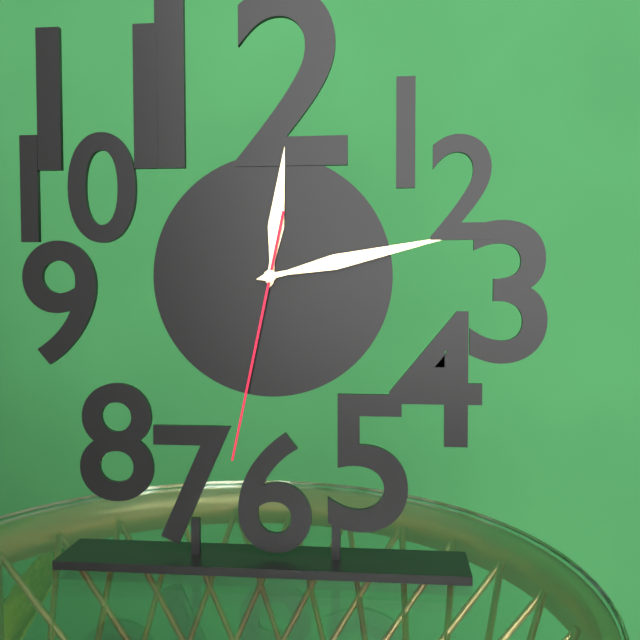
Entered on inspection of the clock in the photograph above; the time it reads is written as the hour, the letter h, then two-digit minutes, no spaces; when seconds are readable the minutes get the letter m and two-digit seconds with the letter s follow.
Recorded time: 12h13m32s
